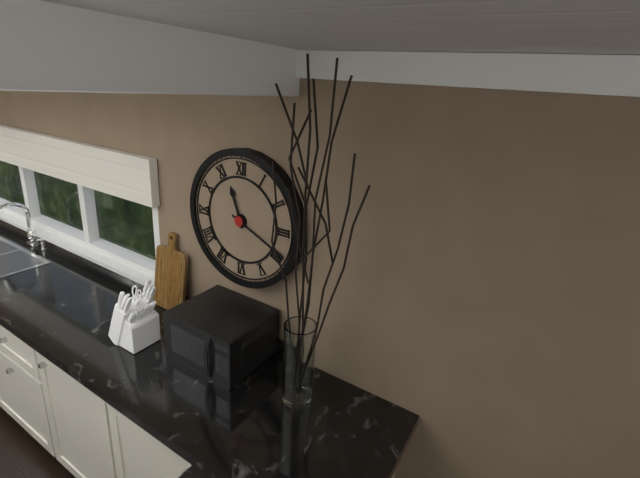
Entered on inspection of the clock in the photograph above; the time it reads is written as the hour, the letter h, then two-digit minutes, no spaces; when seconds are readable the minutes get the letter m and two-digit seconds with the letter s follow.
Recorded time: 11h19
